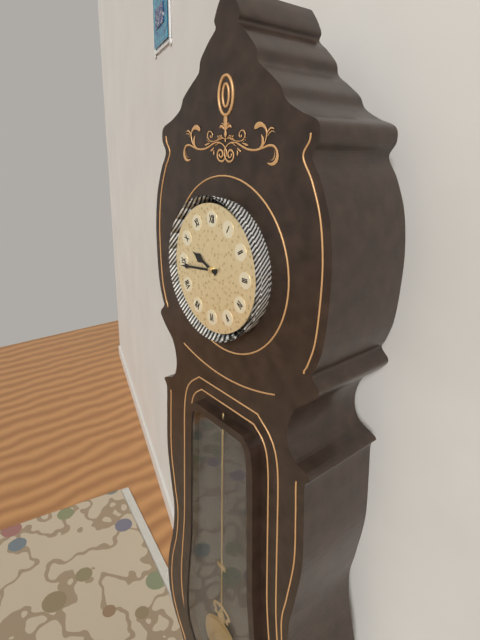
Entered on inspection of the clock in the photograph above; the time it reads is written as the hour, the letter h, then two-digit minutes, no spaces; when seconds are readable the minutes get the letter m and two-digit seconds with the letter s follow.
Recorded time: 9h44
